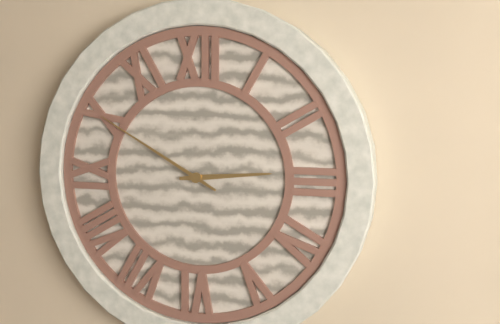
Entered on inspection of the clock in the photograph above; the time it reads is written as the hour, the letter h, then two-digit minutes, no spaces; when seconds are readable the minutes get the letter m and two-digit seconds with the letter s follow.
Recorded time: 2h50
